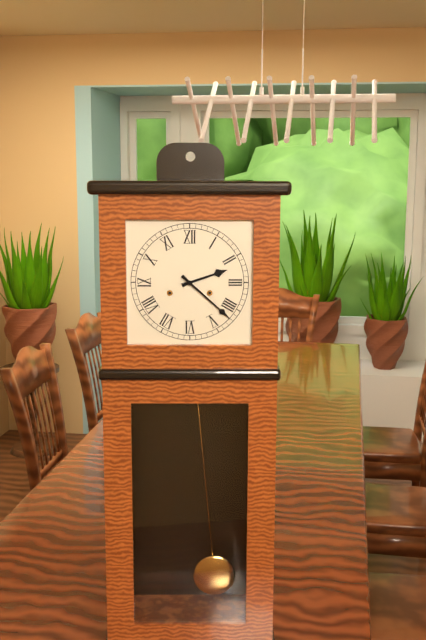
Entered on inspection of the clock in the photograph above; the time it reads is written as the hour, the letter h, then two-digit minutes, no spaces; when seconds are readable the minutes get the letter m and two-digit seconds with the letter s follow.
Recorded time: 2h22
